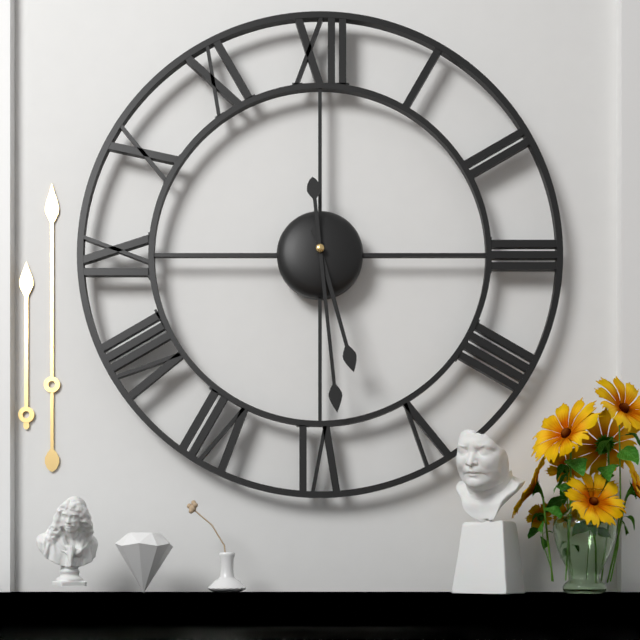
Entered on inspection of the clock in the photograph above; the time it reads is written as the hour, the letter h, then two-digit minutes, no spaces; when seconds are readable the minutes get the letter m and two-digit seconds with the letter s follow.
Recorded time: 5h29
